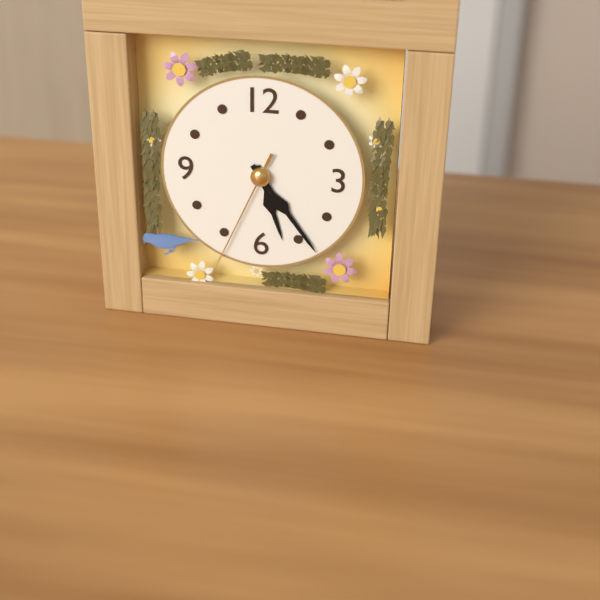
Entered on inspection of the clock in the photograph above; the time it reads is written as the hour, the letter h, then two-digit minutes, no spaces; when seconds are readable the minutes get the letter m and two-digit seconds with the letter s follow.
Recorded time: 5h24m34s
